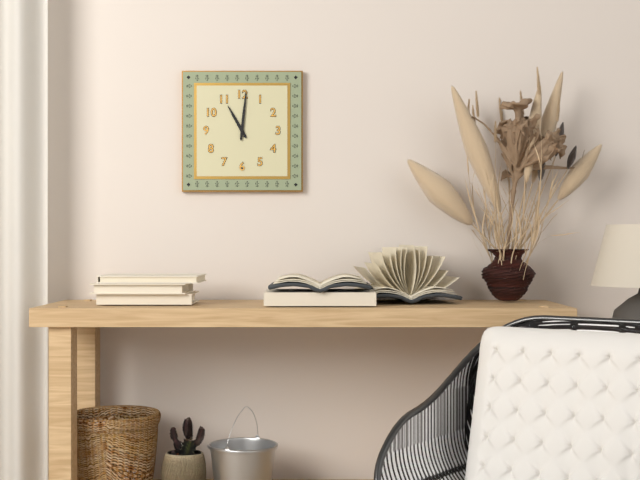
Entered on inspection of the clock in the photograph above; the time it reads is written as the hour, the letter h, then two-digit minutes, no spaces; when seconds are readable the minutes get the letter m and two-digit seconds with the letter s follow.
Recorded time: 11h01
